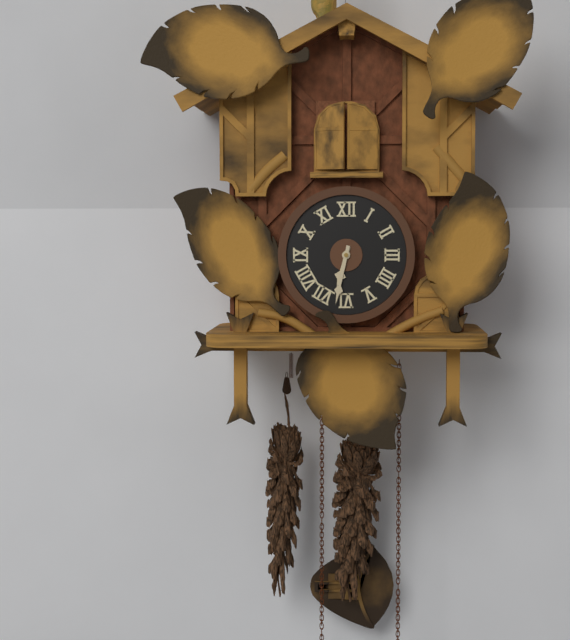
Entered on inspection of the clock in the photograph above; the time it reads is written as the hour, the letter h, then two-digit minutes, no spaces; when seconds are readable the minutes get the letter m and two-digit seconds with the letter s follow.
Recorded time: 6h32
